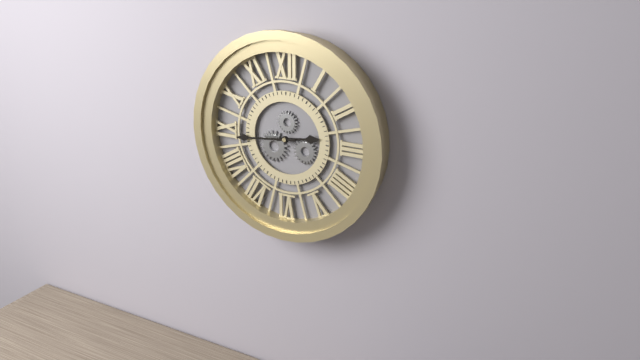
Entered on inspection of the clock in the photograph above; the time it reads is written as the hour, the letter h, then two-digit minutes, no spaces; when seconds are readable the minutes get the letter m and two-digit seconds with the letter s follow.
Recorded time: 2h44
